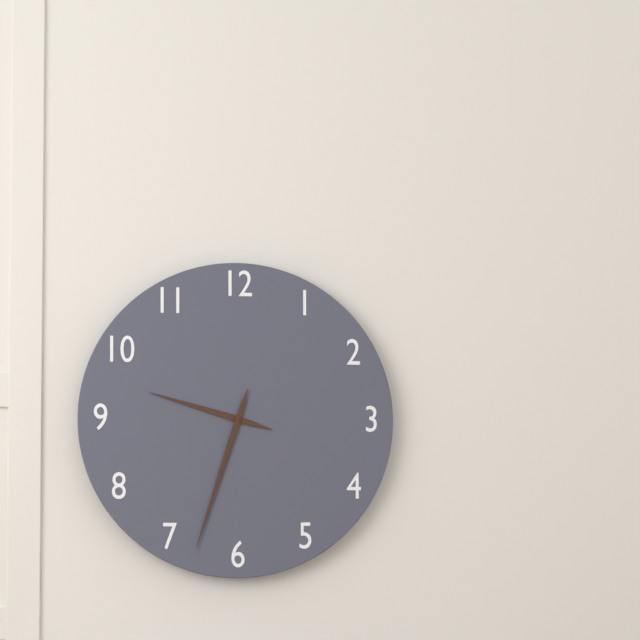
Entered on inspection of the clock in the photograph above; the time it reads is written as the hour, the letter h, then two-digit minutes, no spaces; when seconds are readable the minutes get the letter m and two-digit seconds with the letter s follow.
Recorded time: 9h33
